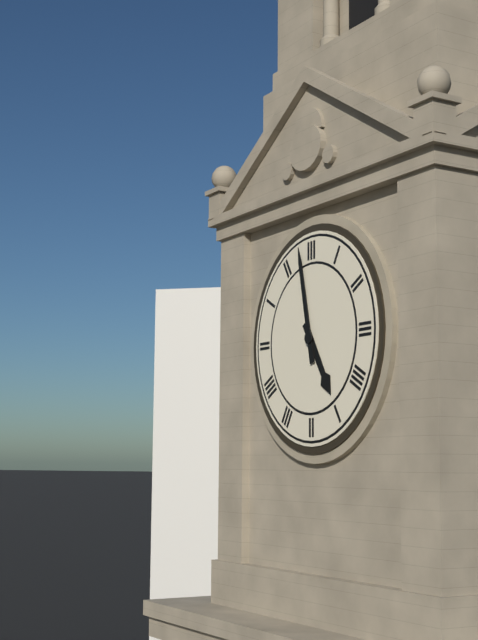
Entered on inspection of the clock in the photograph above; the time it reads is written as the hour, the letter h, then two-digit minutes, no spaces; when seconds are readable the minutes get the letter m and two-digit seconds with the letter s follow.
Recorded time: 4h58
